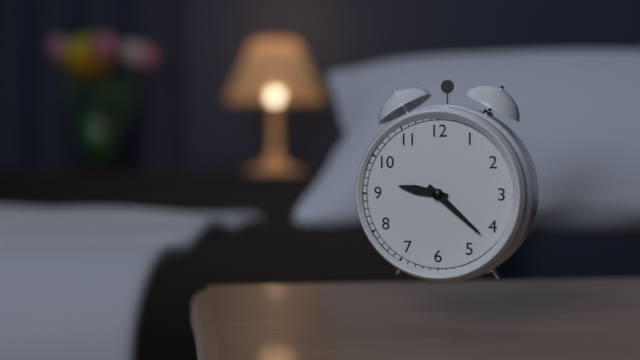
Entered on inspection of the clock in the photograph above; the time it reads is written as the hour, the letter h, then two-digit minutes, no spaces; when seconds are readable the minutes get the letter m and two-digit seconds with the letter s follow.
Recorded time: 9h22
